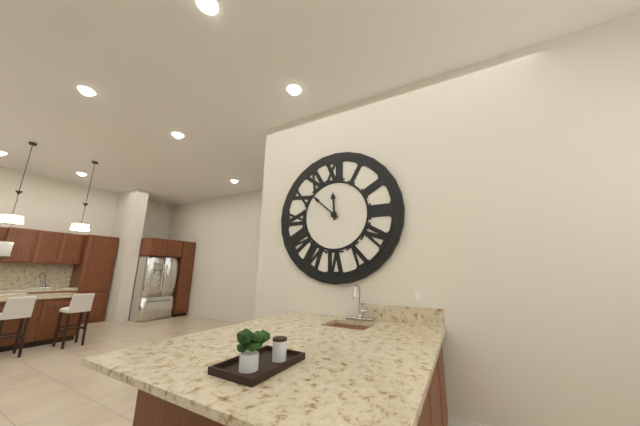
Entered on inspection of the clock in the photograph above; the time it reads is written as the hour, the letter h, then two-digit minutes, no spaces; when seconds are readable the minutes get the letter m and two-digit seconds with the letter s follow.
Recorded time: 11h52
